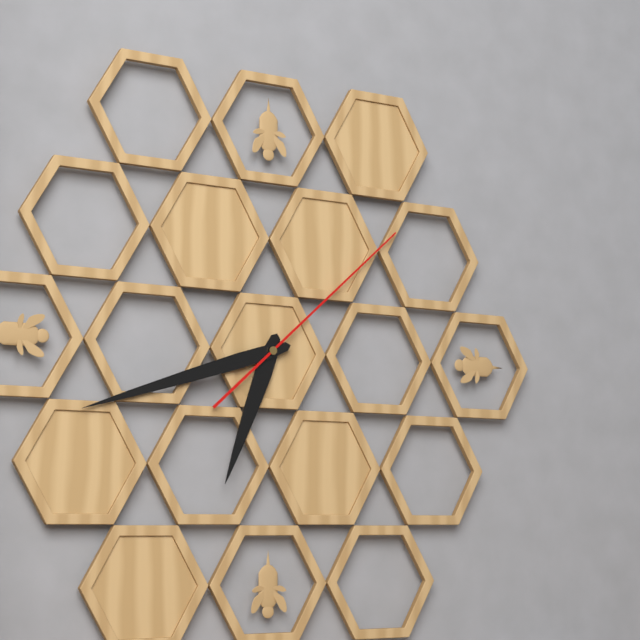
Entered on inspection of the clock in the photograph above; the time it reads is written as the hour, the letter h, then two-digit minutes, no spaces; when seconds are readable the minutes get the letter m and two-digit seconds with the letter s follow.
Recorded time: 6h42m08s
